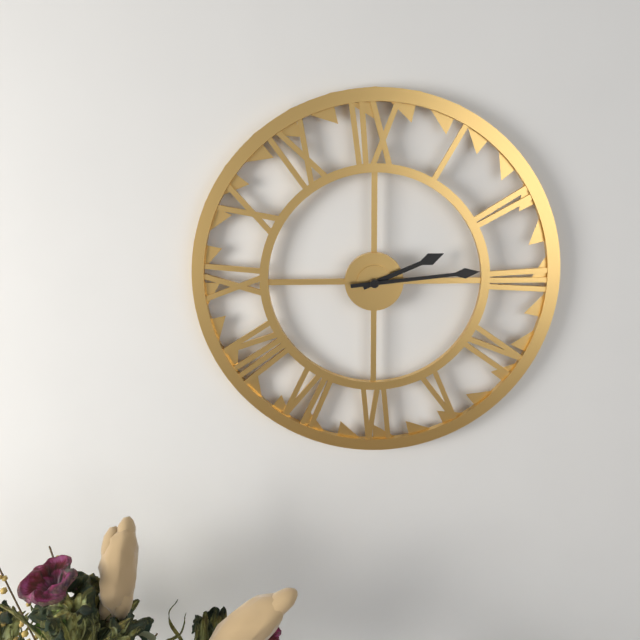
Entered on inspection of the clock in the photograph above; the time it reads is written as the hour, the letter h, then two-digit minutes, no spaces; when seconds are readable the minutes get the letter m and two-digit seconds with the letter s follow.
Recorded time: 2h14
